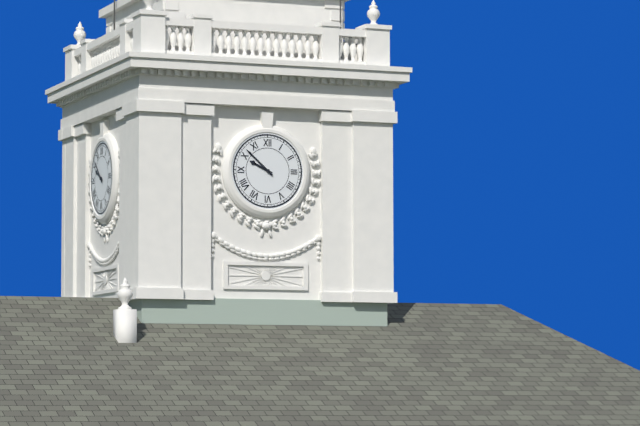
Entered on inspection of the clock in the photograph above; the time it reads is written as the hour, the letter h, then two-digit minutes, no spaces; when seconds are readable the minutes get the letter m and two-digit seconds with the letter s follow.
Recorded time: 9h52
